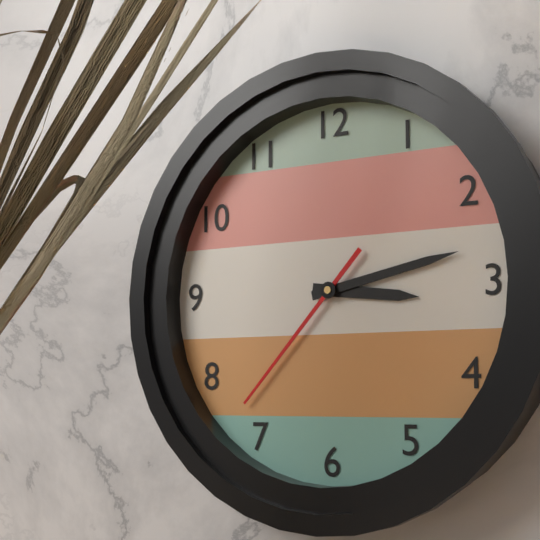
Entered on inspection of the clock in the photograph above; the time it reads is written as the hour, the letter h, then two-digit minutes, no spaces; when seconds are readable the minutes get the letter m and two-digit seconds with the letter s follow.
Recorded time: 3h13m37s
